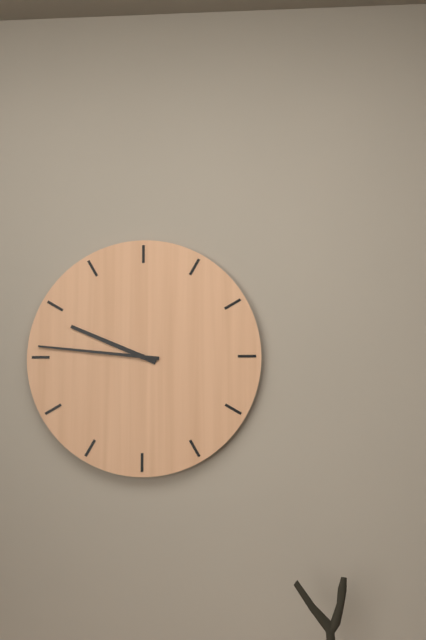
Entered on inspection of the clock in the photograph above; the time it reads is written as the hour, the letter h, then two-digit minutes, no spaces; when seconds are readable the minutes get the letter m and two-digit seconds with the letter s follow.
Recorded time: 9h46
